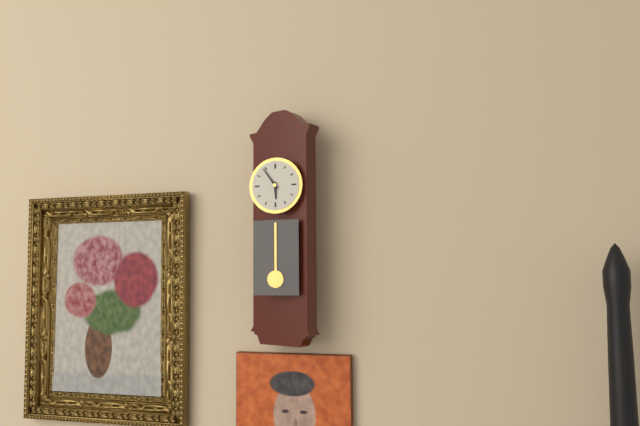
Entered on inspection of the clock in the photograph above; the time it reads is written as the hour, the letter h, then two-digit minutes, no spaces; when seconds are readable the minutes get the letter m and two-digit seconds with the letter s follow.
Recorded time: 5h54
